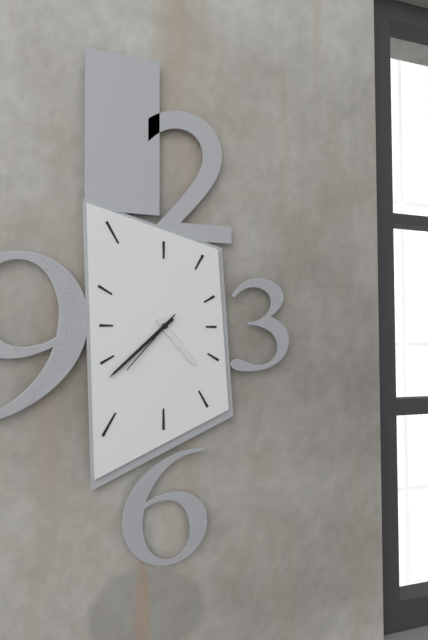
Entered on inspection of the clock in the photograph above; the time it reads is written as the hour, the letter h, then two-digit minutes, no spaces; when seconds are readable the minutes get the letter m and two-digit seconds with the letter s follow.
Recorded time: 4h38m37s
